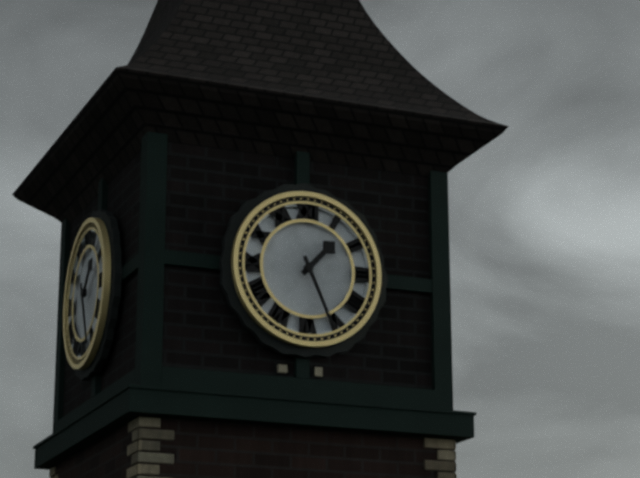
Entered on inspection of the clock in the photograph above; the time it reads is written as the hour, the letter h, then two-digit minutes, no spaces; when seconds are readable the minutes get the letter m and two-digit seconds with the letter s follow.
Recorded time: 1h26
